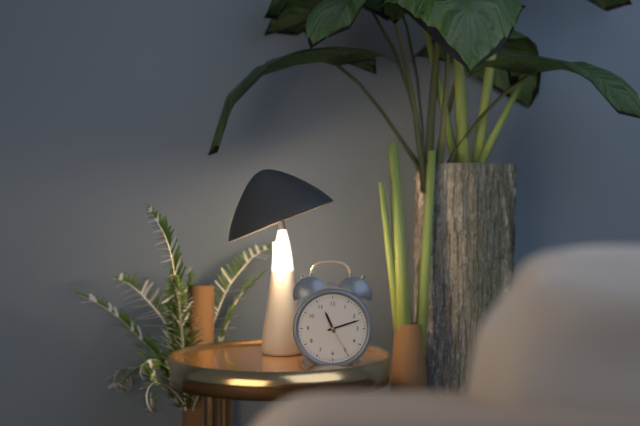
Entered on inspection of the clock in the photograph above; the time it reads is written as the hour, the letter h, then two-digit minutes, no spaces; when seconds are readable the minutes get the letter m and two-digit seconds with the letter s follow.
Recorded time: 11h12
